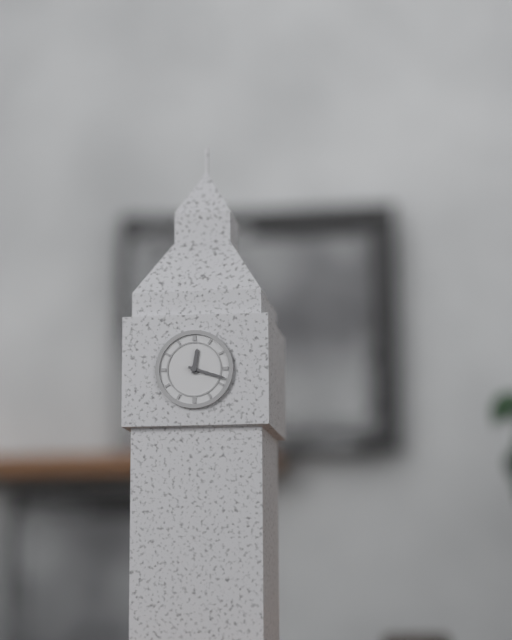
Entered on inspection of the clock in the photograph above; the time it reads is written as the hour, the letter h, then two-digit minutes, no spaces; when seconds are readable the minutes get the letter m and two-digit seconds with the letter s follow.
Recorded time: 12h18
